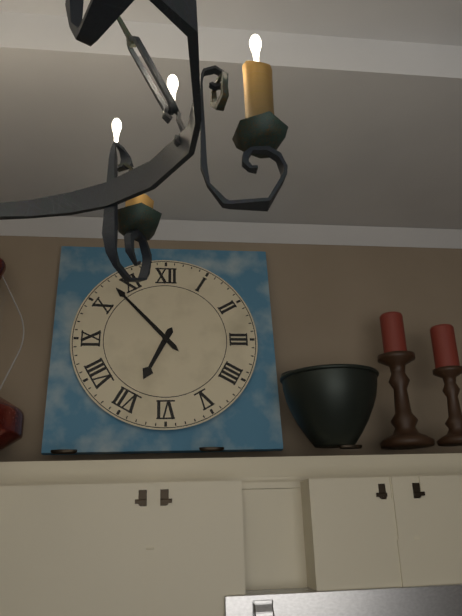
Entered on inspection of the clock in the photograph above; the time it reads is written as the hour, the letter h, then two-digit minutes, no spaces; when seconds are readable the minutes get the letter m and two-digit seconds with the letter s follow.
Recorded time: 6h53
